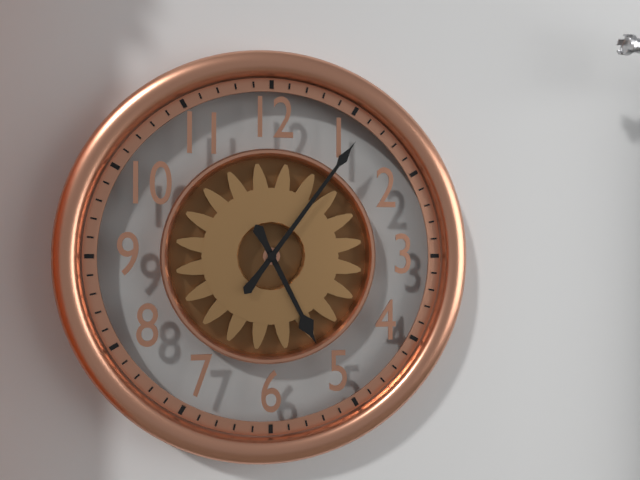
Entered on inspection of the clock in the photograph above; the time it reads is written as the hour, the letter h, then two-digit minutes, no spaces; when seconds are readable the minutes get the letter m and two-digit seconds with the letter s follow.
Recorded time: 5h06
